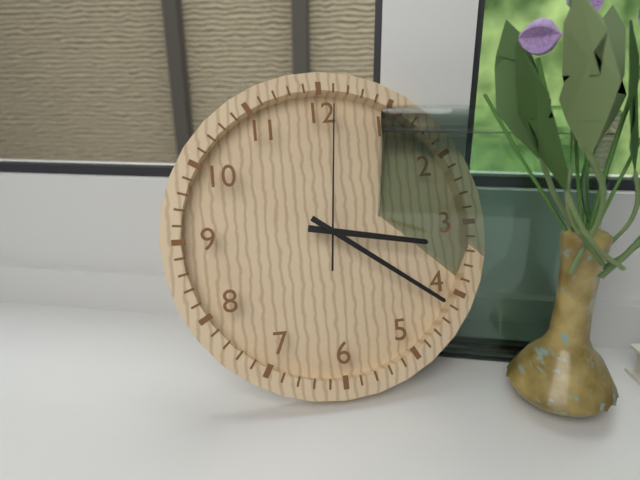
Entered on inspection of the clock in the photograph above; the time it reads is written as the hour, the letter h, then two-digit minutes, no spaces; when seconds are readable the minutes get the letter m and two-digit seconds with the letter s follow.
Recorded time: 3h21m01s
